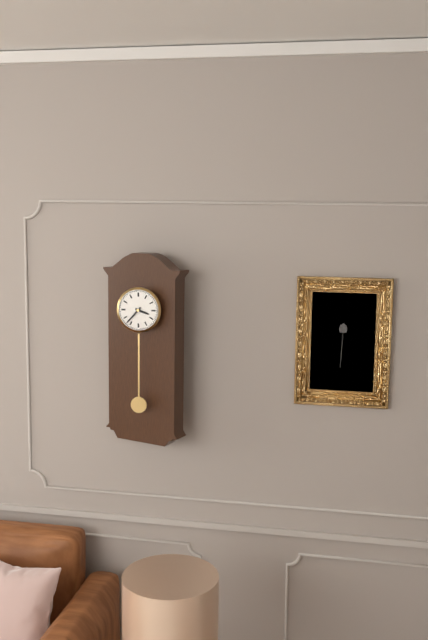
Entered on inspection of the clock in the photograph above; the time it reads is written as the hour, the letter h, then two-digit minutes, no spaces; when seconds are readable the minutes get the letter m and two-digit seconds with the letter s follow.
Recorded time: 3h37
